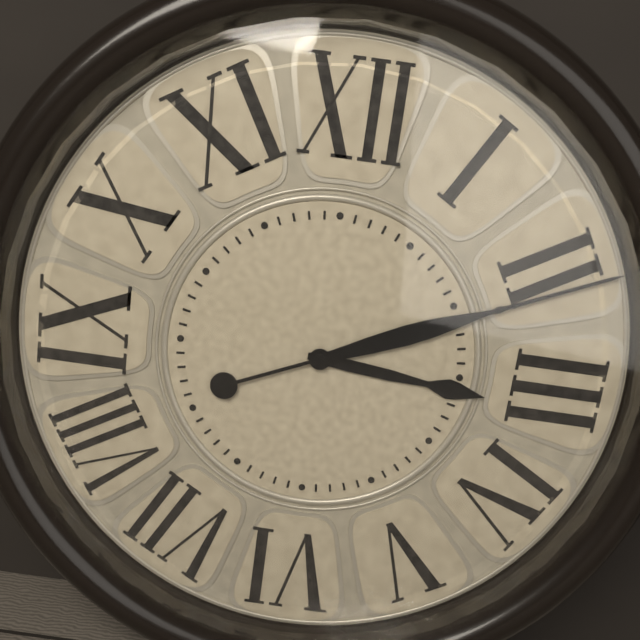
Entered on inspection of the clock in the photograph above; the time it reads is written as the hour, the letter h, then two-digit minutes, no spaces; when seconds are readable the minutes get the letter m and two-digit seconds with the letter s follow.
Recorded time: 3h11
